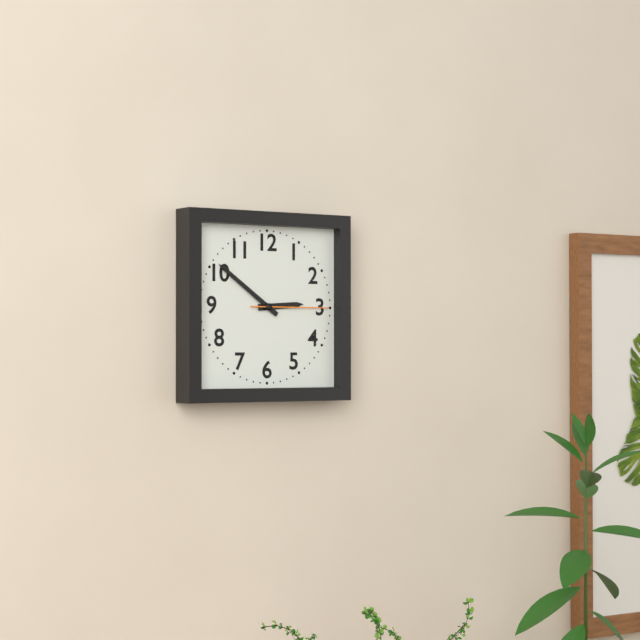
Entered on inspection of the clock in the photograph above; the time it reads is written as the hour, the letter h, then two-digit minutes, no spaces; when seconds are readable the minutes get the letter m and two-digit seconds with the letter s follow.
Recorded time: 2h51m15s
